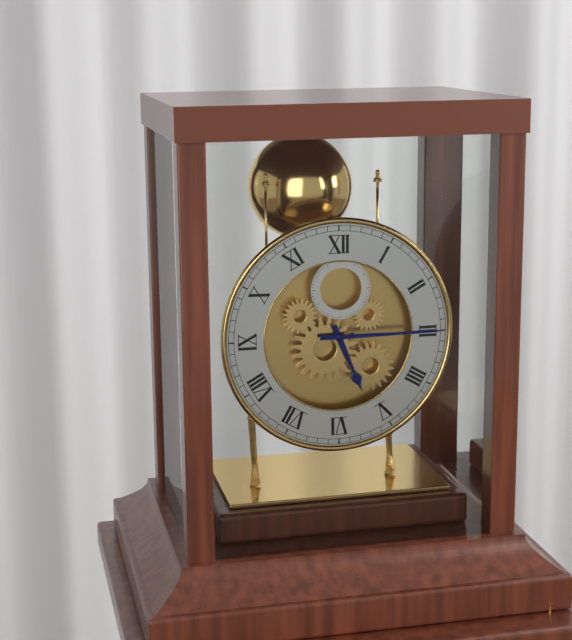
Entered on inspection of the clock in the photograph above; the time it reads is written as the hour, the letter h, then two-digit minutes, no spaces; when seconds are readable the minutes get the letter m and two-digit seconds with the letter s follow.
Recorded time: 5h15
